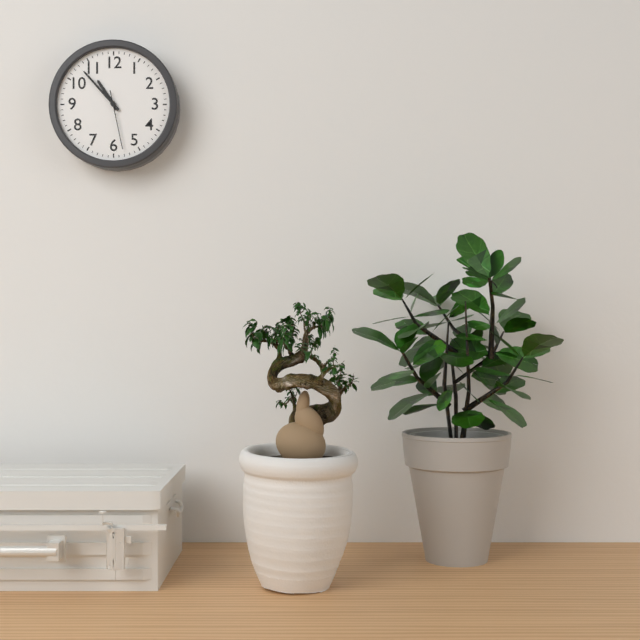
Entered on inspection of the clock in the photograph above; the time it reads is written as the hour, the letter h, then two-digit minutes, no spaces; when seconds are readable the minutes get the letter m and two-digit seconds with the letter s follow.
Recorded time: 10h53m28s
